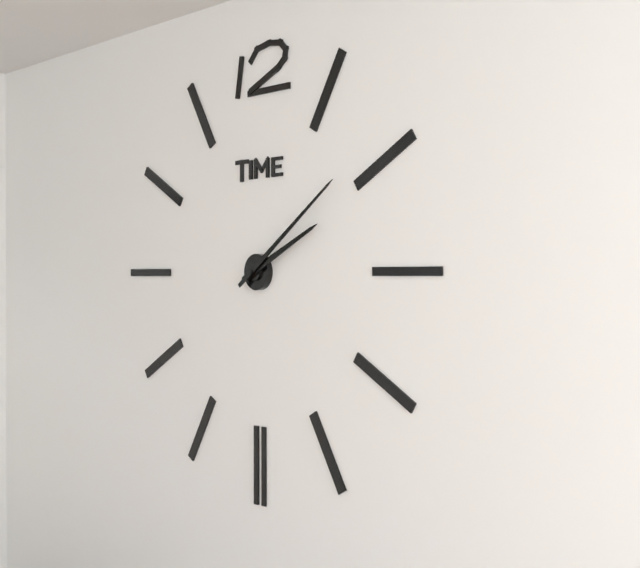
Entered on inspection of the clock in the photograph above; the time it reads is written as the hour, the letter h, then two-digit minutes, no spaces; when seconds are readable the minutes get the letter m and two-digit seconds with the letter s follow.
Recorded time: 2h09
